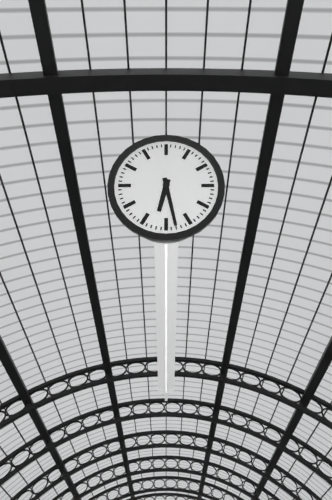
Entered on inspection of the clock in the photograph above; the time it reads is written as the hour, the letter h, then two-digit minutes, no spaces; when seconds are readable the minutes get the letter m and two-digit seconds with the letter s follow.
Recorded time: 6h28
